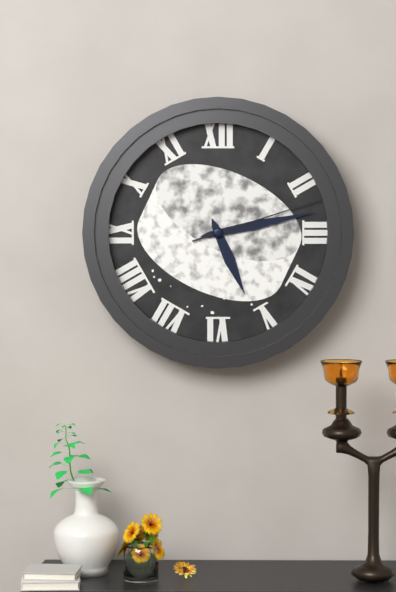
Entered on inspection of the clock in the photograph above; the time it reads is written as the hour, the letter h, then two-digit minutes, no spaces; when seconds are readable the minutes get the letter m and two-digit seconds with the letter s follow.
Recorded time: 5h13m12s
